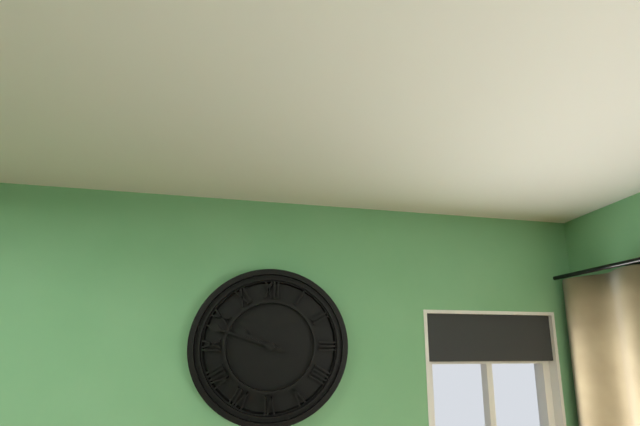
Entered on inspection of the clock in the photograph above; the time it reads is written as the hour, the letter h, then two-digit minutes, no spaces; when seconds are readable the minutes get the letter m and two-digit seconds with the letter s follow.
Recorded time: 9h48
